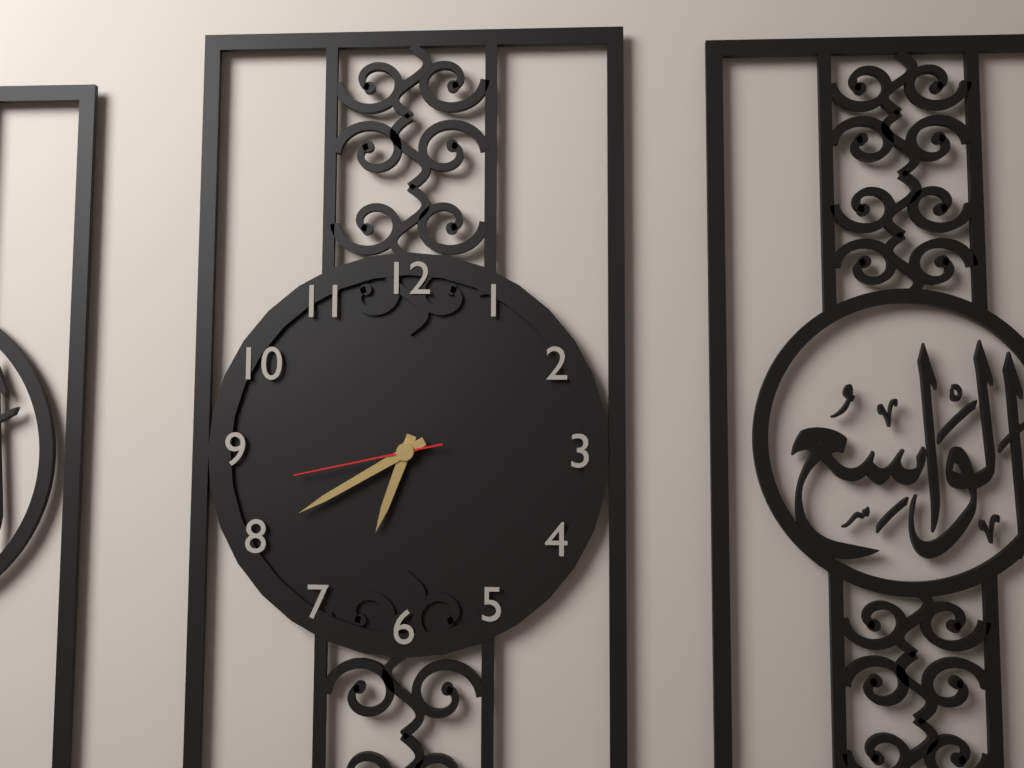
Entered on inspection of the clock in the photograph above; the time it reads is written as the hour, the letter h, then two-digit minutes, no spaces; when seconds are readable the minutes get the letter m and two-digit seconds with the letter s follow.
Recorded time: 6h40m43s
